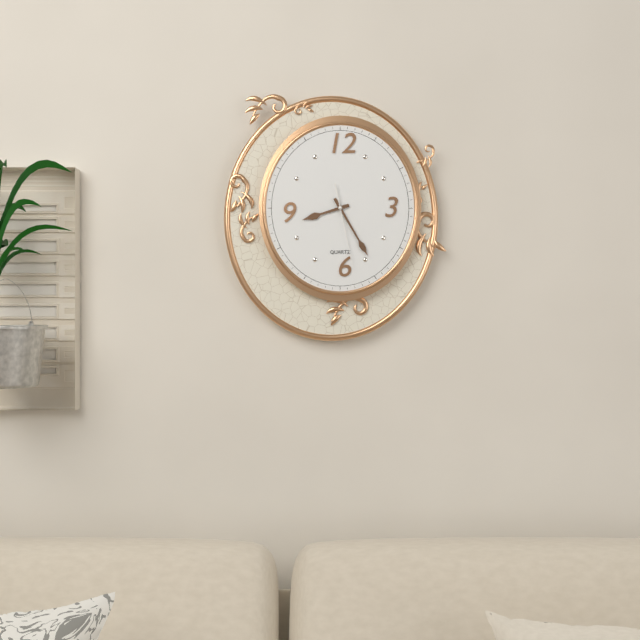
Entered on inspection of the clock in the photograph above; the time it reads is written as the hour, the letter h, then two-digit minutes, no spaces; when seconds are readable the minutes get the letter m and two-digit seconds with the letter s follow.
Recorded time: 8h25m28s
